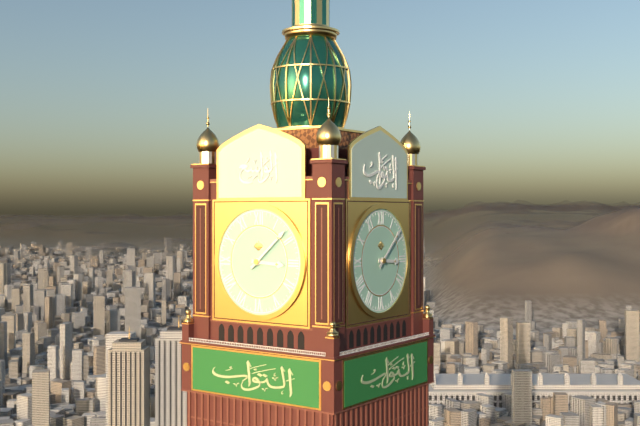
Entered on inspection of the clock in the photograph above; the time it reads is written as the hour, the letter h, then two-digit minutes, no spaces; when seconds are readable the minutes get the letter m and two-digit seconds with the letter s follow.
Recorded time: 3h08
